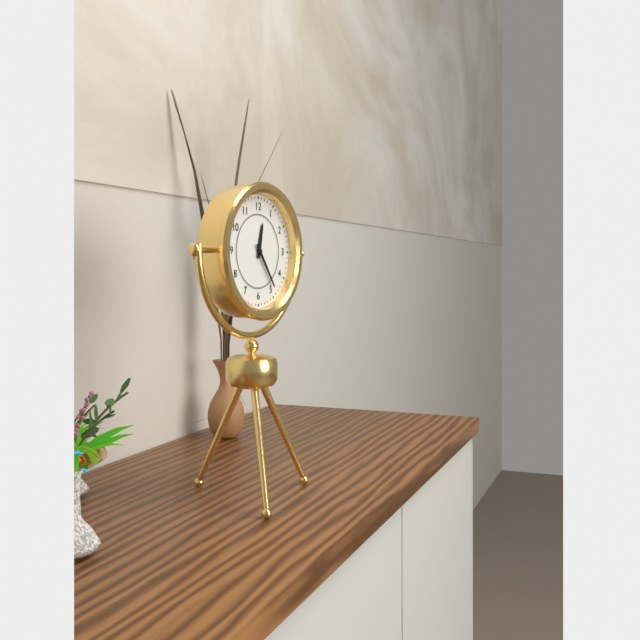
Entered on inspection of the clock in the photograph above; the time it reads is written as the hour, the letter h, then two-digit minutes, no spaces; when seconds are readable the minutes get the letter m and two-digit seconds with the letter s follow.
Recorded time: 12h24
